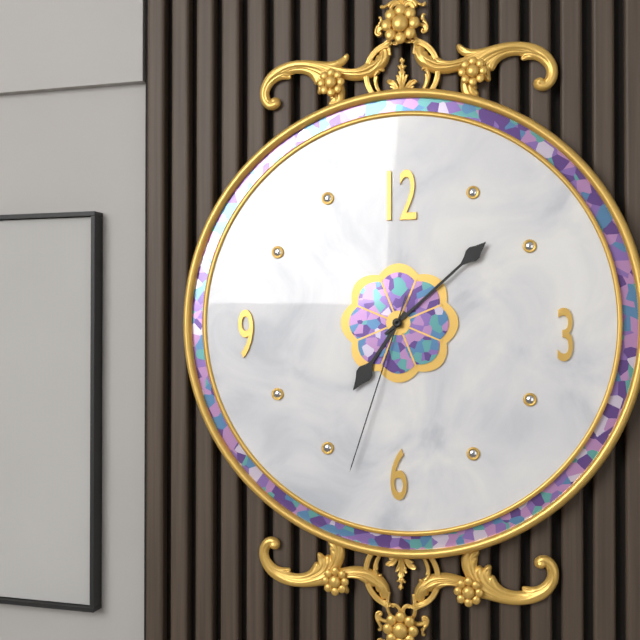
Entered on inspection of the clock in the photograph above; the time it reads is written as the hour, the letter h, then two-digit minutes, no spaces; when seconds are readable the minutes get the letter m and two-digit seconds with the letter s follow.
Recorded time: 7h08m33s
